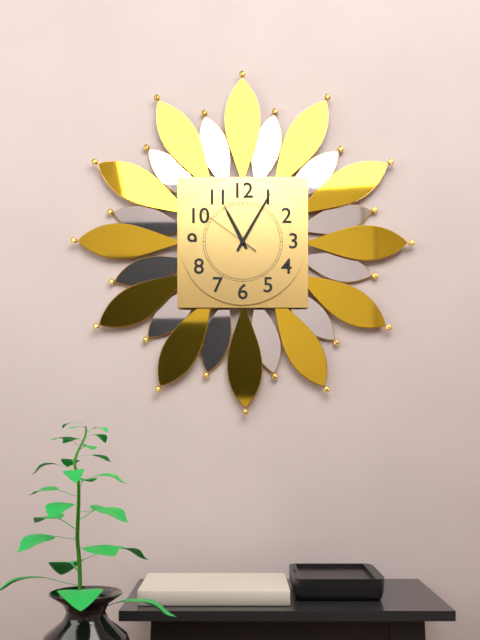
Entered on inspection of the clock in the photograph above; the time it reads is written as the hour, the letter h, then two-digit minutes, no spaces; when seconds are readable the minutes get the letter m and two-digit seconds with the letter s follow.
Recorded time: 11h05m51s
